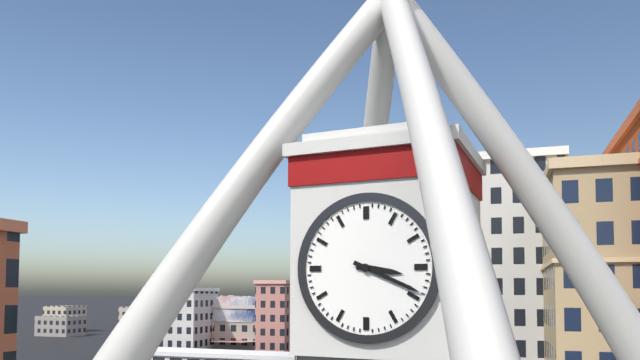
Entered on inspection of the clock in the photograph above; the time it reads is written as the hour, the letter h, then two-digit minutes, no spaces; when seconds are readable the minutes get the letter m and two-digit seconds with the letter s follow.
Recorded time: 3h19
